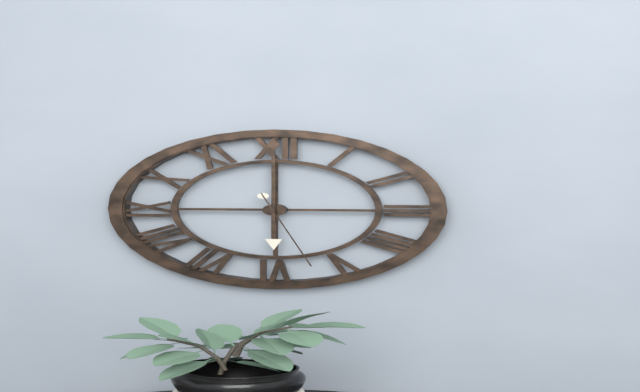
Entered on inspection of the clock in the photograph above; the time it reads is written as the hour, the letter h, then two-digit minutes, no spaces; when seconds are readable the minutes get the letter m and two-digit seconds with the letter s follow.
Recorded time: 6h00m27s
